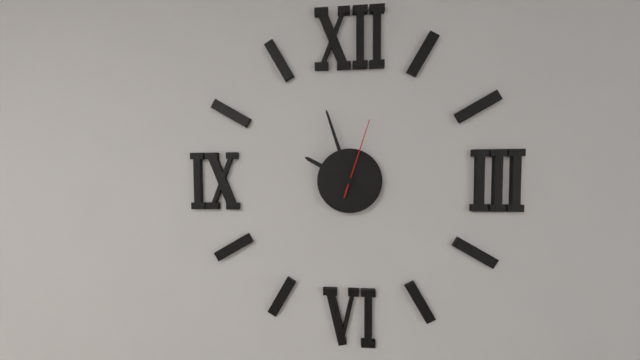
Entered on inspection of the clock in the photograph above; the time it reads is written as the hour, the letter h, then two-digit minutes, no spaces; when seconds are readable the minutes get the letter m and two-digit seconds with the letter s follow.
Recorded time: 9h57m03s
